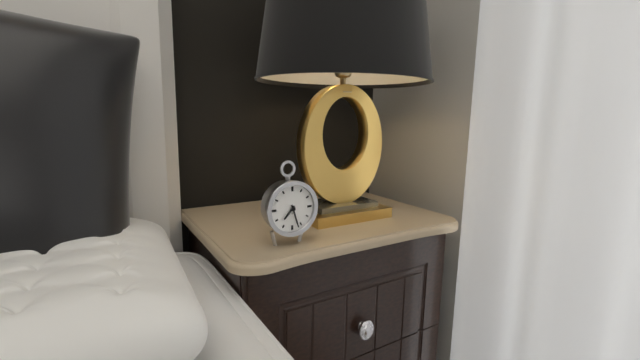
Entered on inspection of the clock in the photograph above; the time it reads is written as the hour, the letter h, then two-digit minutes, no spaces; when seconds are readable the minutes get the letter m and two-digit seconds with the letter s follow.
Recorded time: 7h27
